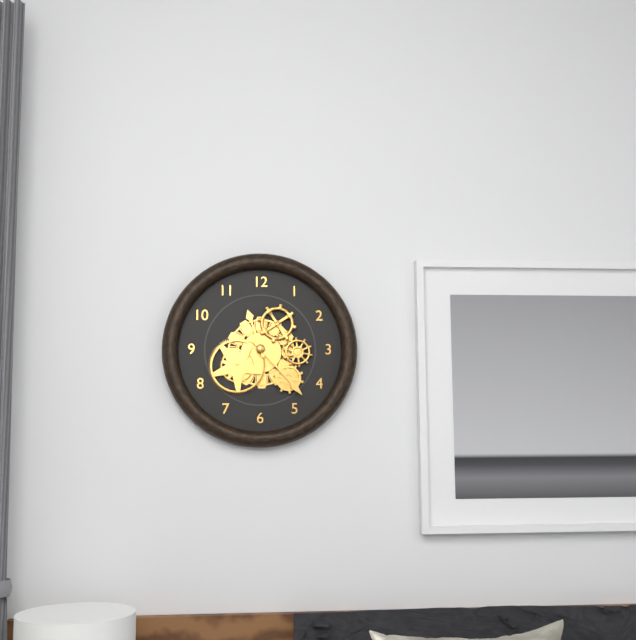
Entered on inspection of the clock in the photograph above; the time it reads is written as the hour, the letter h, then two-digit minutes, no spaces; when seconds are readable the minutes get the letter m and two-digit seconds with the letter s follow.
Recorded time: 11h23
